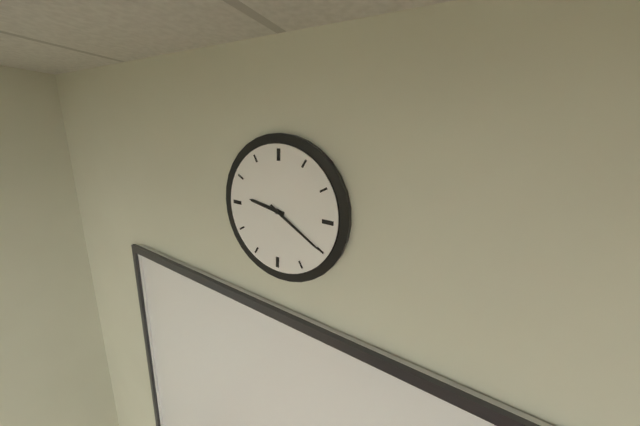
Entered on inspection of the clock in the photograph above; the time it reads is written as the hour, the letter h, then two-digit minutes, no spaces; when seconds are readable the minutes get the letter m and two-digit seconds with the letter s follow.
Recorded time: 9h20
